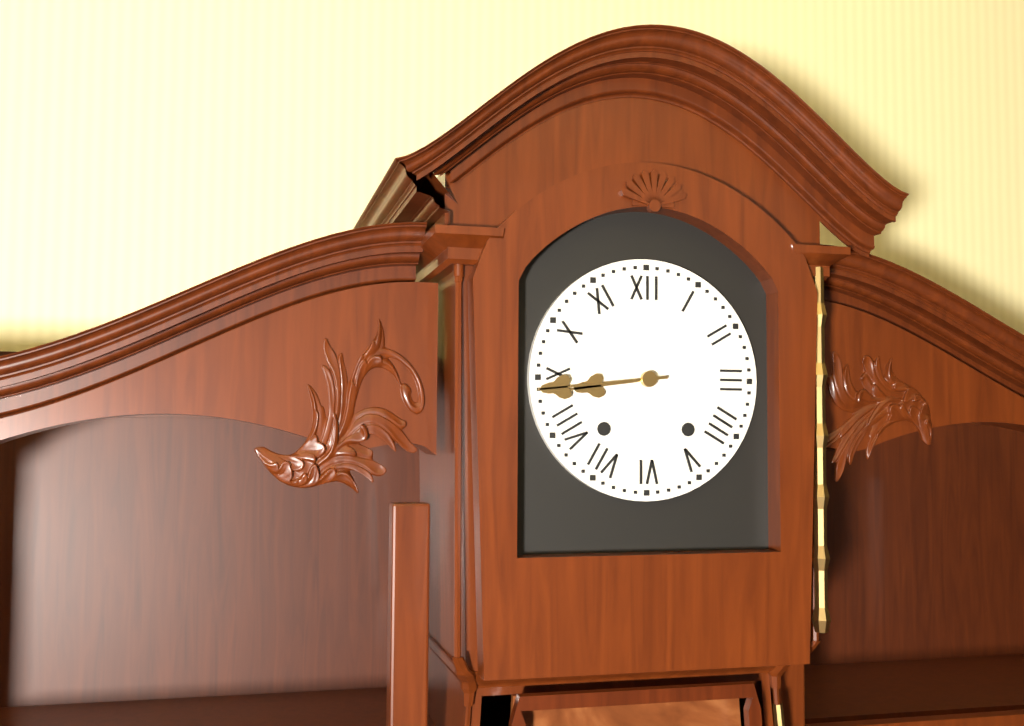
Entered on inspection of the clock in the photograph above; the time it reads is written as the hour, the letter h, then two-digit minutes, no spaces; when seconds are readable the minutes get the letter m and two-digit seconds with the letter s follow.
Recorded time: 8h44
